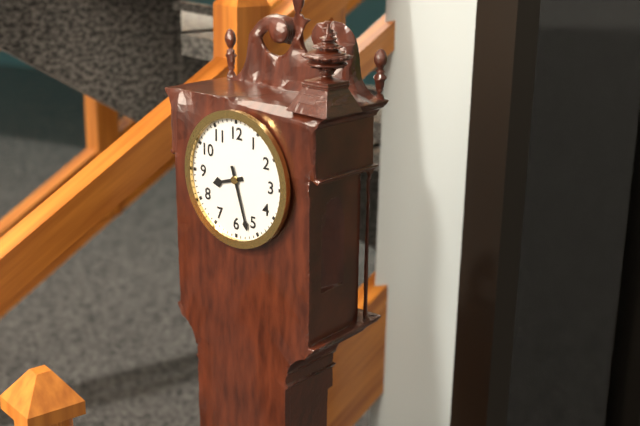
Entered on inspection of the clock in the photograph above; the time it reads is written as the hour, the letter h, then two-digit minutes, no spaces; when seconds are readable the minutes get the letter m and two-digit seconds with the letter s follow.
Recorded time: 8h27
